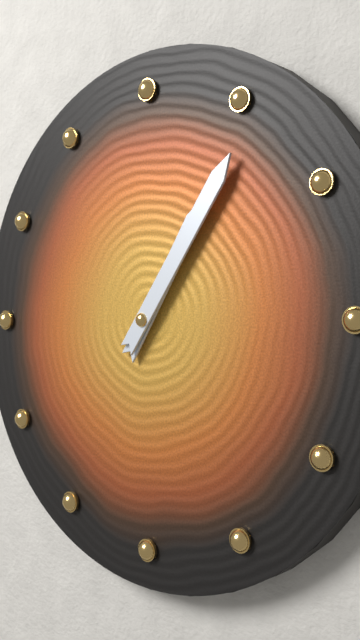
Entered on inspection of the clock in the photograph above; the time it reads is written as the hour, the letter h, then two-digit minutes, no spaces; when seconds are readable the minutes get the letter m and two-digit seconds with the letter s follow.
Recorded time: 1h06
